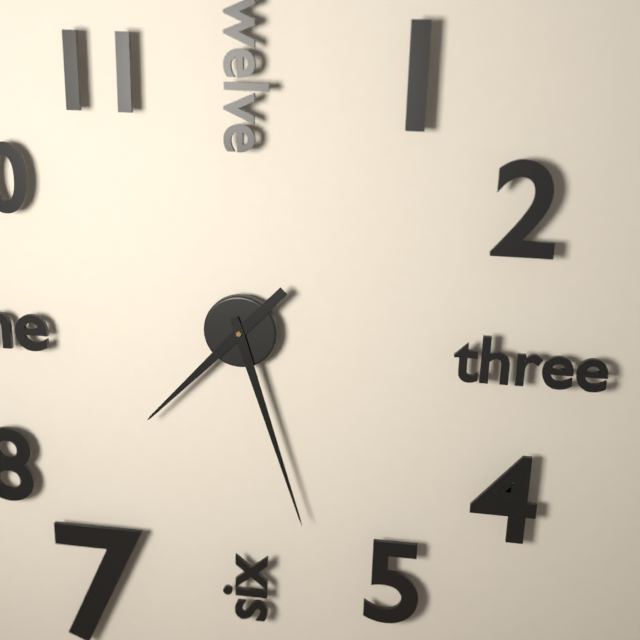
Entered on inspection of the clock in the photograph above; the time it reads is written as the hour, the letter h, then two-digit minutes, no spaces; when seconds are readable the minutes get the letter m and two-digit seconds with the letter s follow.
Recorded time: 7h27
